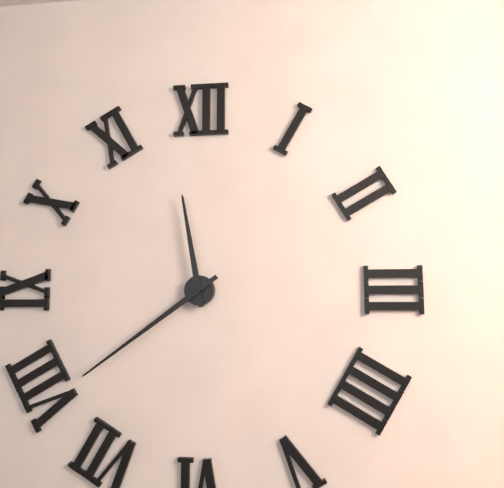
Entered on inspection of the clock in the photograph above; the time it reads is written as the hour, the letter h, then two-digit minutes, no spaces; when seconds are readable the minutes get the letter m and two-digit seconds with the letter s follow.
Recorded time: 11h39
